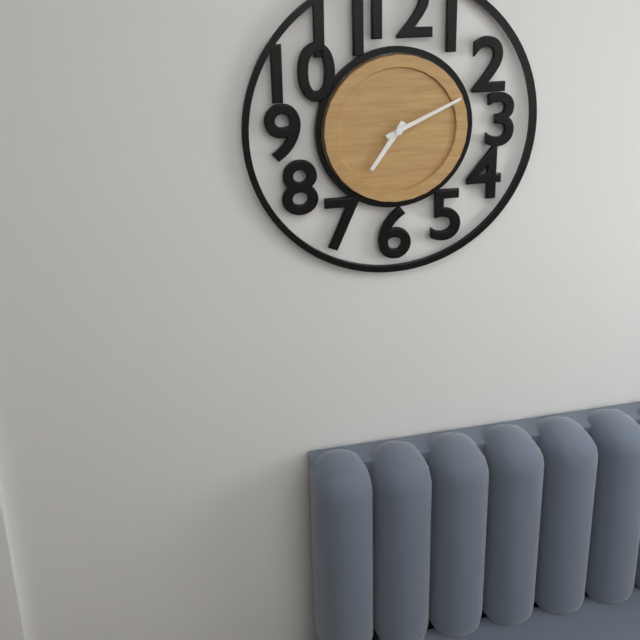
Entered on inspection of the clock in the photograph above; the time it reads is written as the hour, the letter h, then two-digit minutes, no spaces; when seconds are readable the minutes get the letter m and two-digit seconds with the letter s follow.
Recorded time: 7h11
